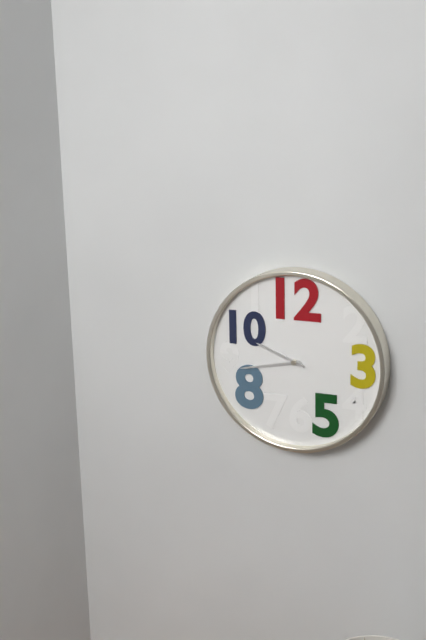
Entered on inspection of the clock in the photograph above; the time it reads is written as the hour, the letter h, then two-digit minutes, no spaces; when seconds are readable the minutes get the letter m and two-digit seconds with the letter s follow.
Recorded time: 9h43
